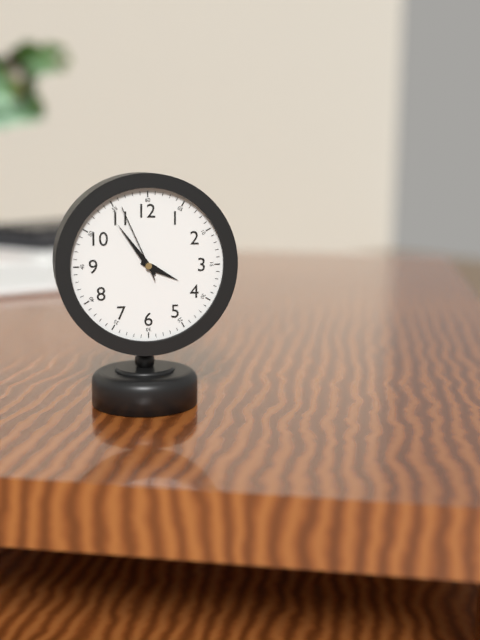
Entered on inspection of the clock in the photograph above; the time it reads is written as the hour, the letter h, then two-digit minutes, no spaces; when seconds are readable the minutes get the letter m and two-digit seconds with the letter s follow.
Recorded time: 3h54m56s
